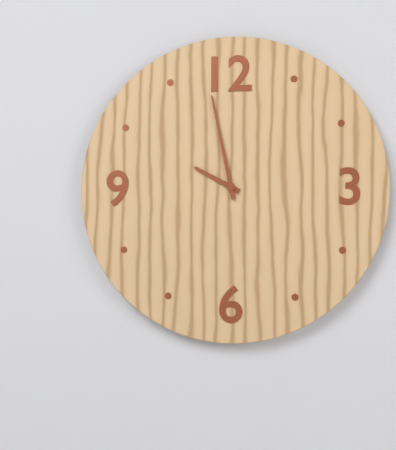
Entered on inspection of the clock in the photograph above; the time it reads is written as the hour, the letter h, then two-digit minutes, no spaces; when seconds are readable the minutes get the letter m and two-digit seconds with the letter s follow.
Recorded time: 9h58
